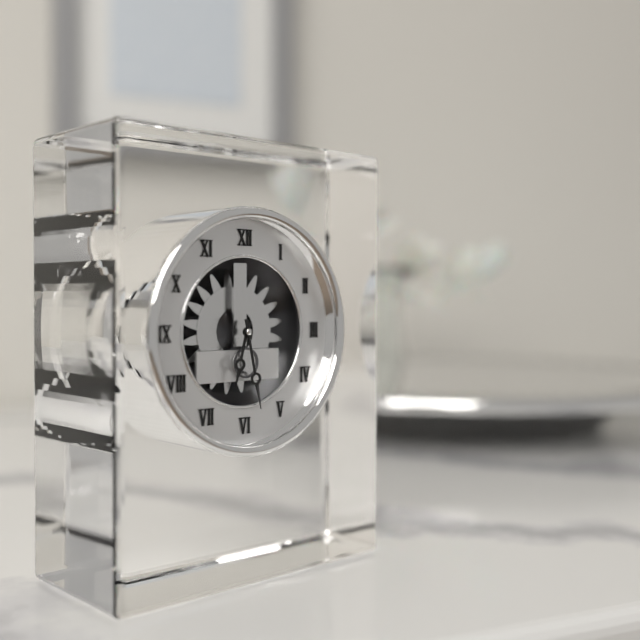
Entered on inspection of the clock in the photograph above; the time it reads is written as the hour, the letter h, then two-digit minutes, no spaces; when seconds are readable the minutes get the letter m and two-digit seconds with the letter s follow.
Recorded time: 6h28
